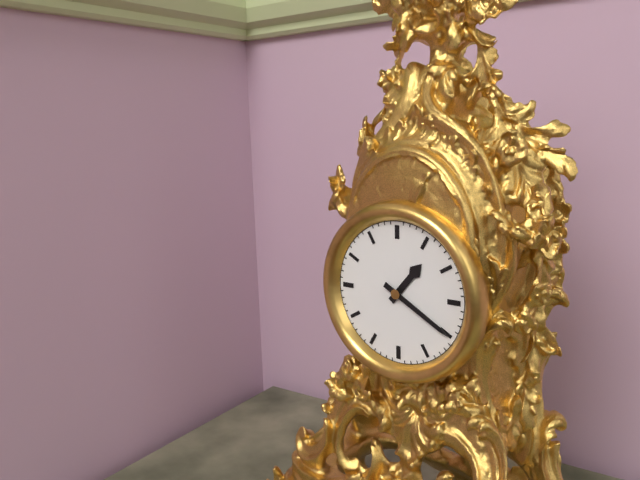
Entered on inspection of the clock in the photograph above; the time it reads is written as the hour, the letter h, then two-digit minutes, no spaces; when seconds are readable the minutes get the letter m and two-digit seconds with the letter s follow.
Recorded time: 1h20
